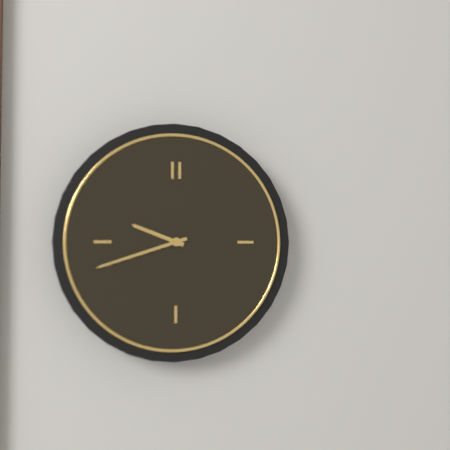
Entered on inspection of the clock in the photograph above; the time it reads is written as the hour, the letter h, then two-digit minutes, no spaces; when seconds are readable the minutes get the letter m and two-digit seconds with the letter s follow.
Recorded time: 9h42
